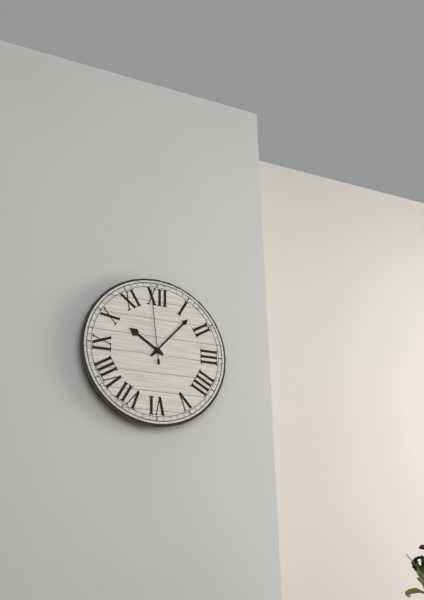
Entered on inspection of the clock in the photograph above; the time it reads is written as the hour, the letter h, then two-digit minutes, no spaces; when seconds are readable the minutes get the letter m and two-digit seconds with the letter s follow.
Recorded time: 10h07m59s
